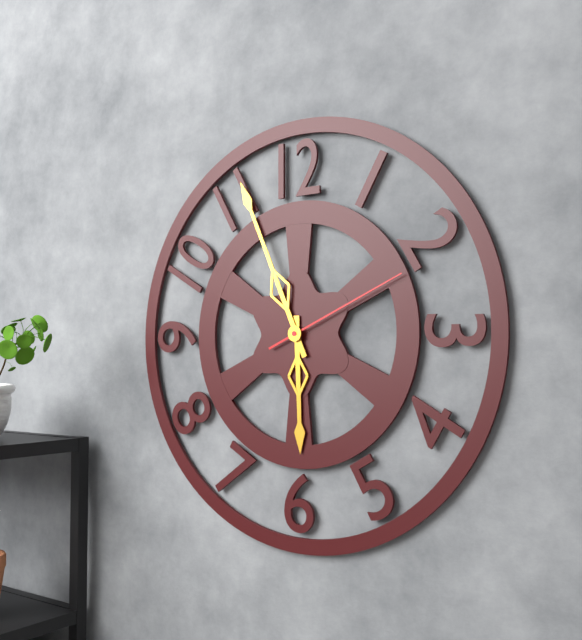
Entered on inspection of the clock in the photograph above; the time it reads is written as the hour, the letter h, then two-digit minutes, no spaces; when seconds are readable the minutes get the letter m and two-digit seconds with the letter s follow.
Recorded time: 5h56m11s
